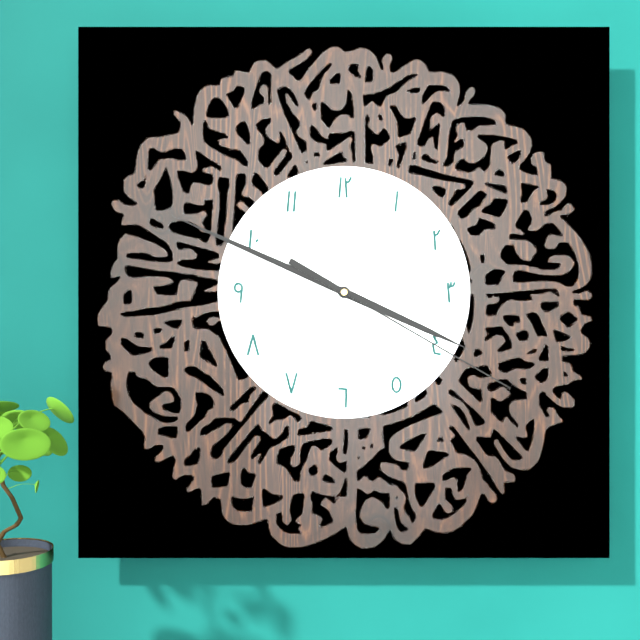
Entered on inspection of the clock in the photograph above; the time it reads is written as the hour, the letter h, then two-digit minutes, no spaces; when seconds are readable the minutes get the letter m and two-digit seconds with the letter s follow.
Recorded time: 3h49m20s
